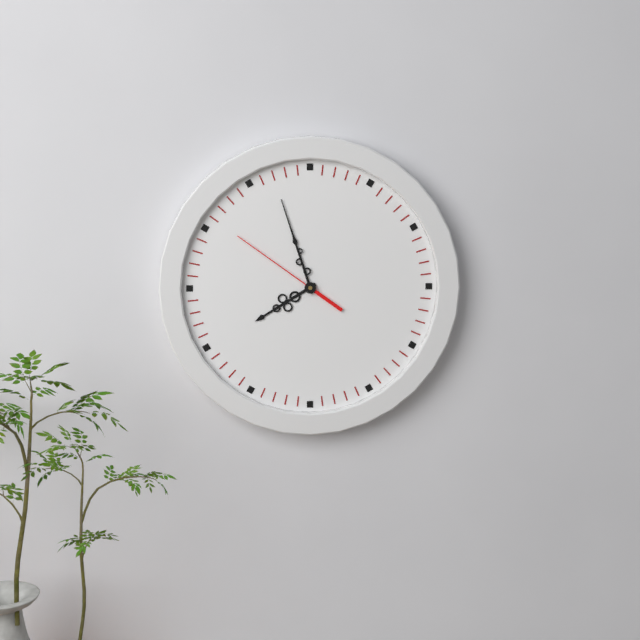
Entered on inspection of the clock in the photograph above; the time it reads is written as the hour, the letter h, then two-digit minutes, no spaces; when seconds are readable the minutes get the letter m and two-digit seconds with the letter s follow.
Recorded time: 7h57m51s
